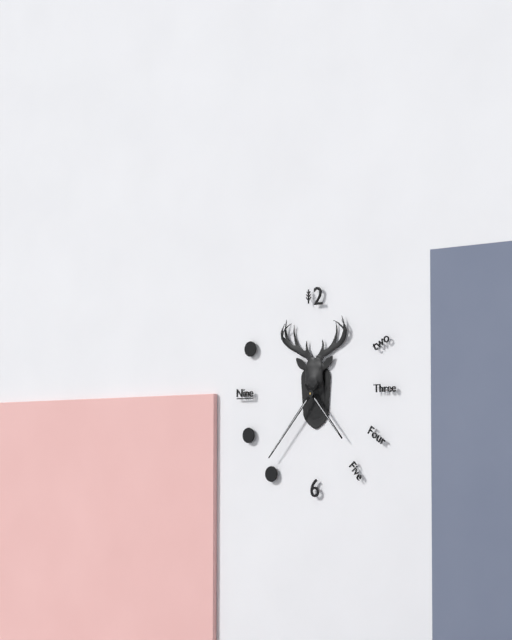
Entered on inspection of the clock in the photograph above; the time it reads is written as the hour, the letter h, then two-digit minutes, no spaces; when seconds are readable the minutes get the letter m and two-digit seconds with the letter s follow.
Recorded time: 4h37
